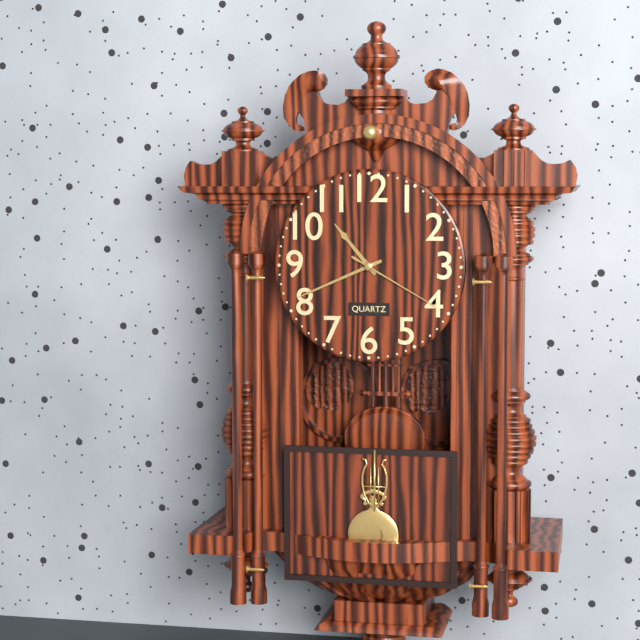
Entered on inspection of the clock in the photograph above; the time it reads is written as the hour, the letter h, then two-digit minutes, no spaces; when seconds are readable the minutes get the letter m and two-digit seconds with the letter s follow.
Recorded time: 10h41m20s
